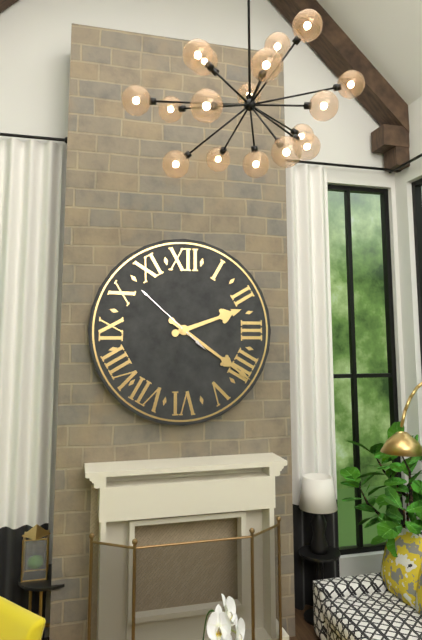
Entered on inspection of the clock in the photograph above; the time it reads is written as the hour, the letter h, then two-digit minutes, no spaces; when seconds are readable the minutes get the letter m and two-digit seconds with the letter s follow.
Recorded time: 2h21m52s
